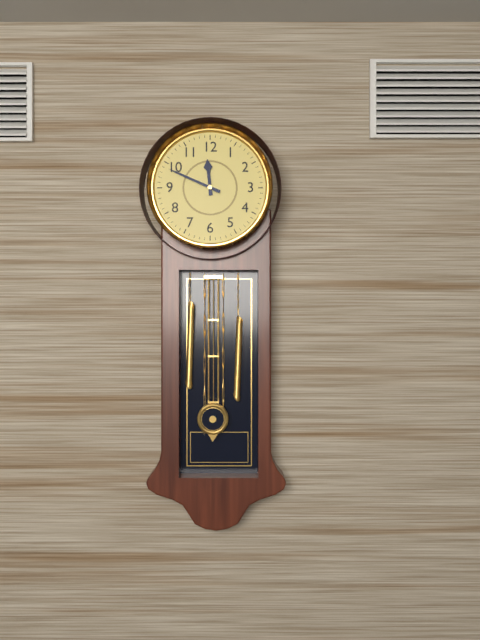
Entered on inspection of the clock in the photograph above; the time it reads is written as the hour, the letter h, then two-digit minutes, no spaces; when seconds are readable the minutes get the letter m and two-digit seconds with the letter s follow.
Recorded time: 11h49
